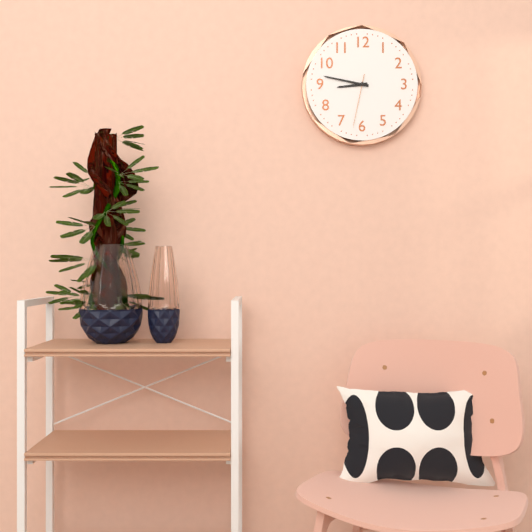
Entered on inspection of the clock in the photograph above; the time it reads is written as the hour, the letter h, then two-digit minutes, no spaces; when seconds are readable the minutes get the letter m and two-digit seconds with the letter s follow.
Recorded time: 8h47m32s
